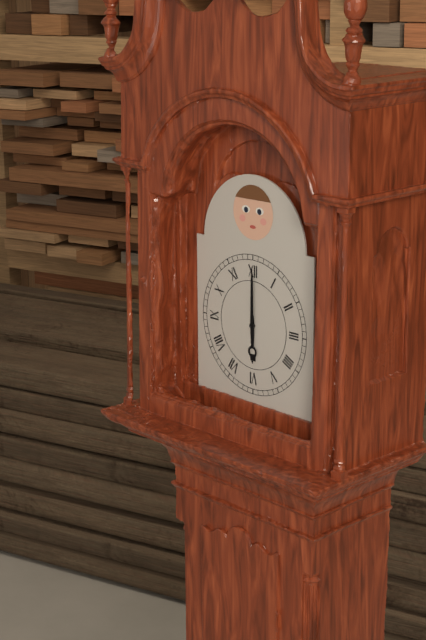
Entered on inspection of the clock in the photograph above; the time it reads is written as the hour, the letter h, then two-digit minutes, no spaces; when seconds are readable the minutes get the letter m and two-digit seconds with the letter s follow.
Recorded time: 6h00
